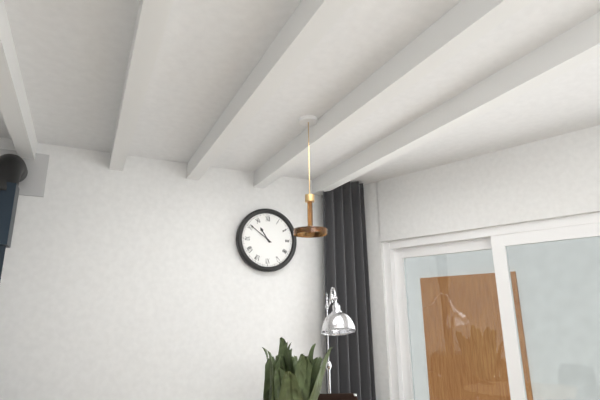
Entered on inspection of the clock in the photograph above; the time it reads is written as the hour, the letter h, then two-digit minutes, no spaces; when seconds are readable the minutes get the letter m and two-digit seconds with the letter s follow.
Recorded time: 10h51
